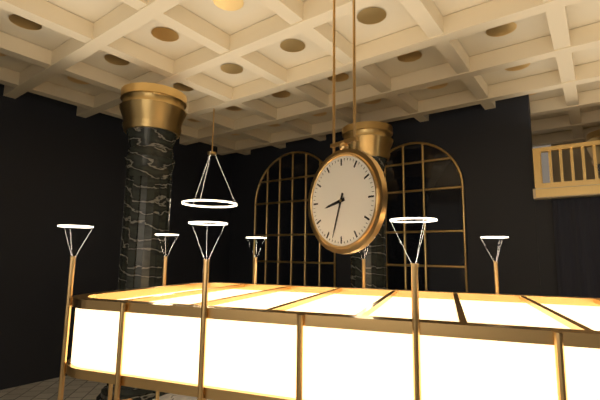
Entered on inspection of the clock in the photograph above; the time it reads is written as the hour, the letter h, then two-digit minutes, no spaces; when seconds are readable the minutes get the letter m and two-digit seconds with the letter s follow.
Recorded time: 8h33
